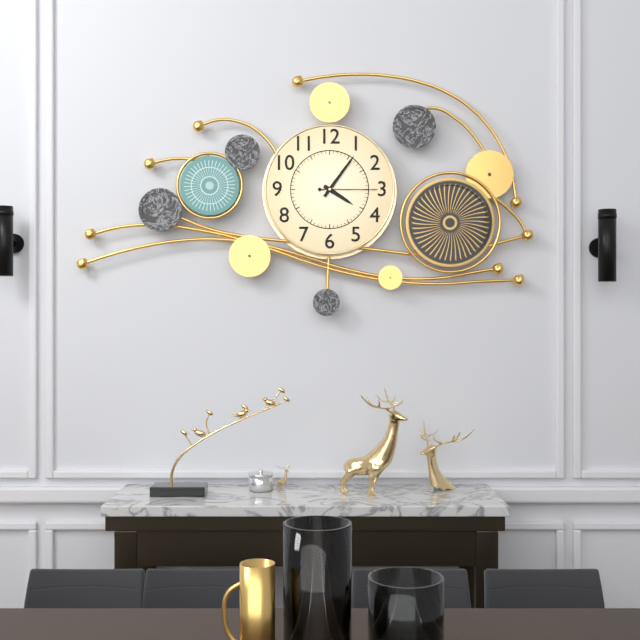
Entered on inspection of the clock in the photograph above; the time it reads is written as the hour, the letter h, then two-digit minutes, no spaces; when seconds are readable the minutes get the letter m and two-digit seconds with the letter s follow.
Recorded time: 4h06m15s
